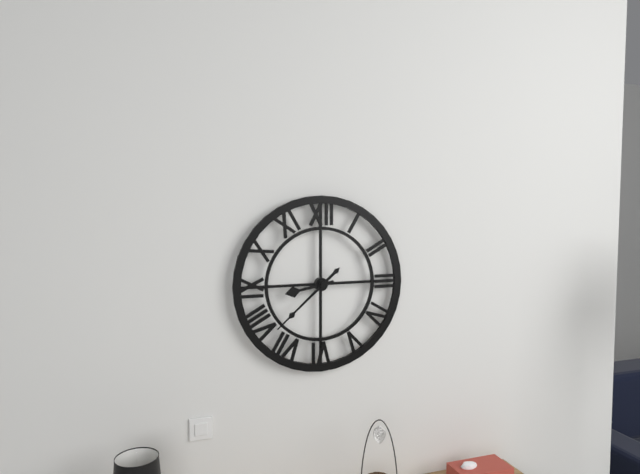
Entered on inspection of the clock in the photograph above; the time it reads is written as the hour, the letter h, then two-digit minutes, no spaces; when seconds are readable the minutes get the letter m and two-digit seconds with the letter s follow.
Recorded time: 8h38
